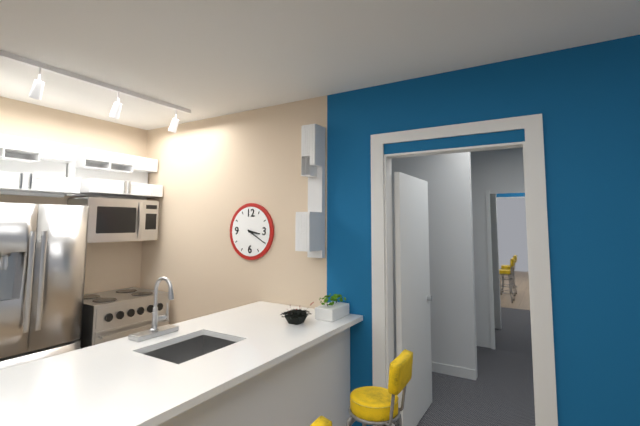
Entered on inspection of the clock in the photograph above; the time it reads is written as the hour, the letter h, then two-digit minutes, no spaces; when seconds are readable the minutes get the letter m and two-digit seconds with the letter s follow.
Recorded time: 3h20
